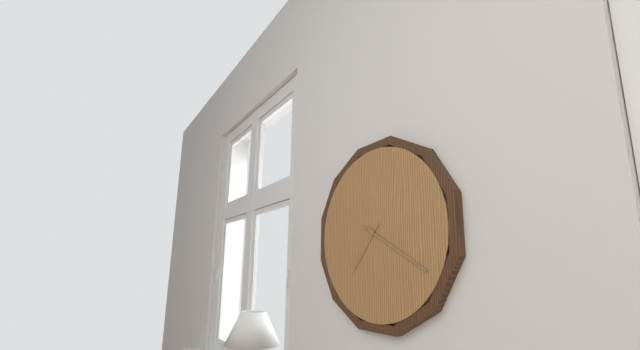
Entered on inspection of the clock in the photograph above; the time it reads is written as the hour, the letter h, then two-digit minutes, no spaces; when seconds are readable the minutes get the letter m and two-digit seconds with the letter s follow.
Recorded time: 7h20
